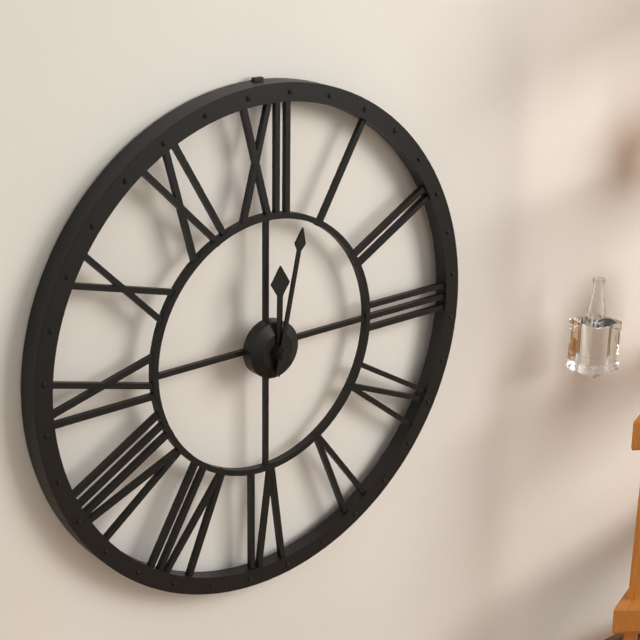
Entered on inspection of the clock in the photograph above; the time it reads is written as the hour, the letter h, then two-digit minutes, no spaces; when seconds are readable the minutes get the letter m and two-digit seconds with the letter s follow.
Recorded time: 12h02
